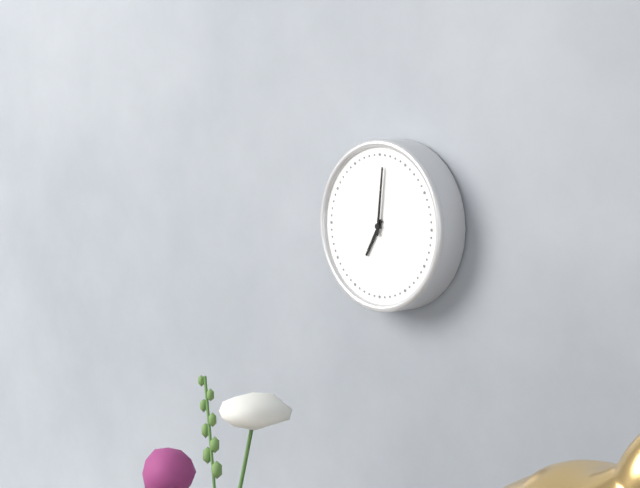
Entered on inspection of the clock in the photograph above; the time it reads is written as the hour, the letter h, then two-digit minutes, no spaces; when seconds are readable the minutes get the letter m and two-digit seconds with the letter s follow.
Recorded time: 7h01
